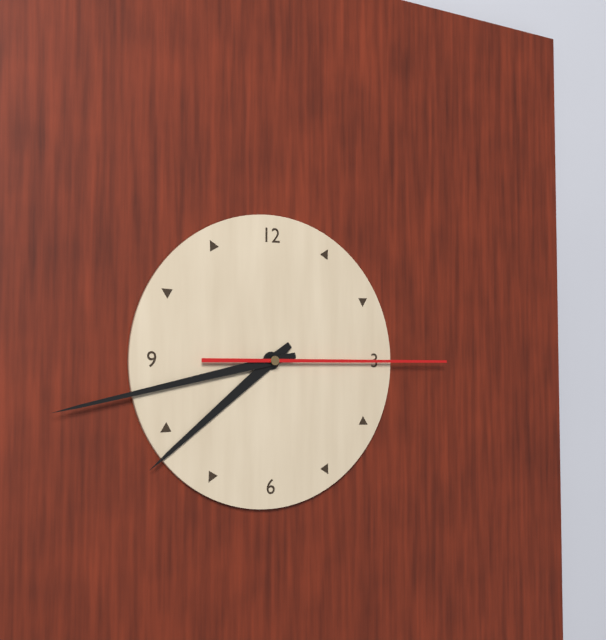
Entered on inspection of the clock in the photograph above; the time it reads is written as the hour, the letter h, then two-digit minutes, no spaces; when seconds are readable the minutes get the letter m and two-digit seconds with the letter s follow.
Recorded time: 7h43m15s
